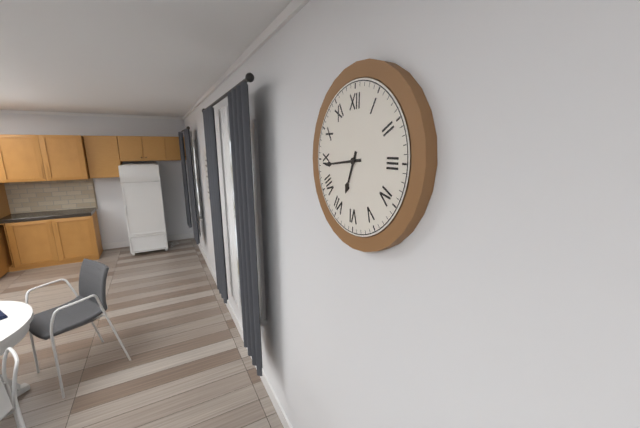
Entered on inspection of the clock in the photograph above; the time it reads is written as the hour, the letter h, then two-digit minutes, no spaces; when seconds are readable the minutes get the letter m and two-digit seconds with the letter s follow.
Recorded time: 6h44
